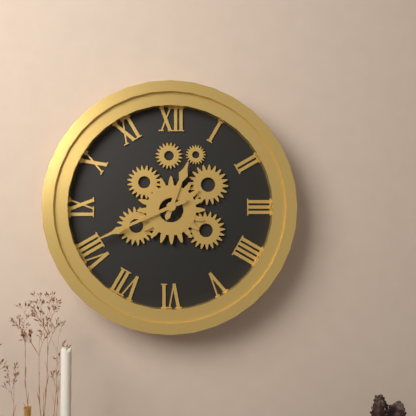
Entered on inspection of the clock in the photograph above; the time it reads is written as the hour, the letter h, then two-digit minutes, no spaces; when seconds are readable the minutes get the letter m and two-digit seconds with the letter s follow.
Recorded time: 12h41
